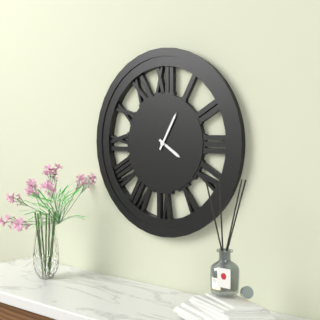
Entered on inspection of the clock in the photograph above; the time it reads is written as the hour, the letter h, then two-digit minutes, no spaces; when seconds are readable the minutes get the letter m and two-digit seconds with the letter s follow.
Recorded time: 4h05
